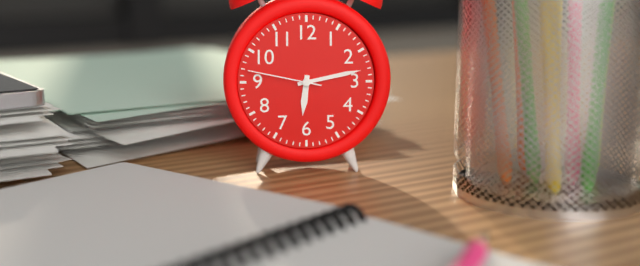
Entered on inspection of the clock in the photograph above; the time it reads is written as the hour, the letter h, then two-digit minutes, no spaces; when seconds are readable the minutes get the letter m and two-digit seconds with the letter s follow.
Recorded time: 6h13m47s
